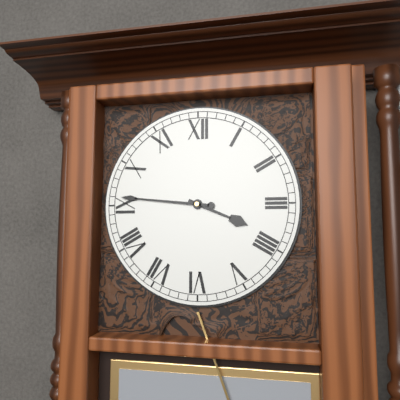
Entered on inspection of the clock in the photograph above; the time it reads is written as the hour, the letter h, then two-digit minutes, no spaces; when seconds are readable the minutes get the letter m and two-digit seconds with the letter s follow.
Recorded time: 3h46
